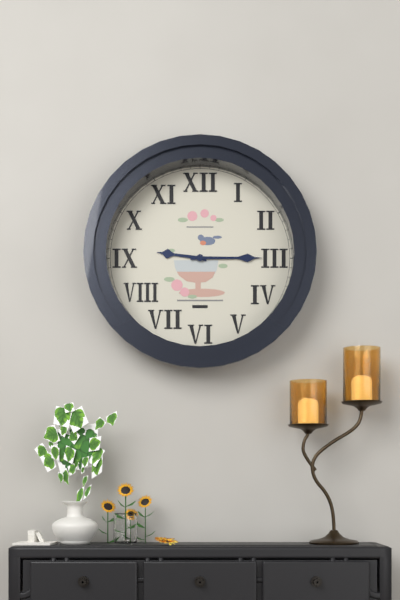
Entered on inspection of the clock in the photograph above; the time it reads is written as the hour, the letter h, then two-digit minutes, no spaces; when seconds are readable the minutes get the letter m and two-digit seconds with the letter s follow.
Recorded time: 9h15
